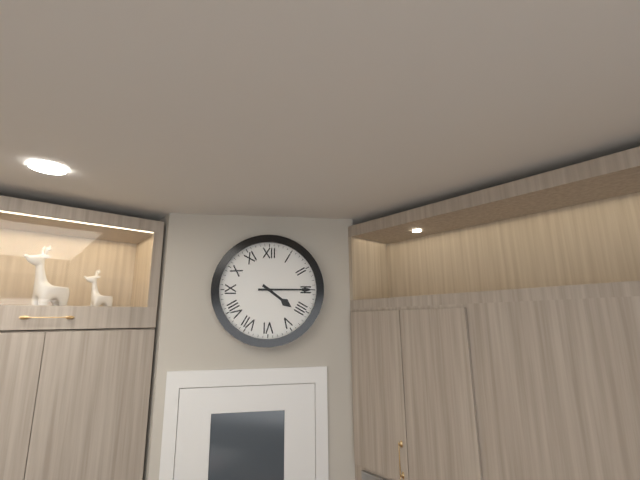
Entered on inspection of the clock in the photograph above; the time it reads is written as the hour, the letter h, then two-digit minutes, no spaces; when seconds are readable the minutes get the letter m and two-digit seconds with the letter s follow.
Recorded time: 4h15
